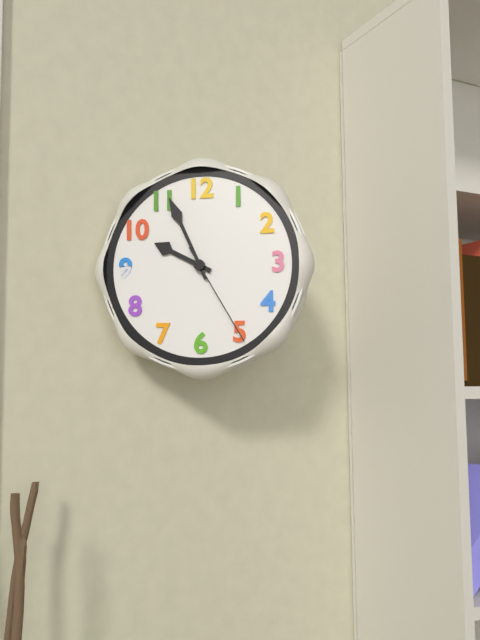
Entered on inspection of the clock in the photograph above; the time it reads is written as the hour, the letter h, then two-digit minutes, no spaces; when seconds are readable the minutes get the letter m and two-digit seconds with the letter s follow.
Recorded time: 9h56m25s
